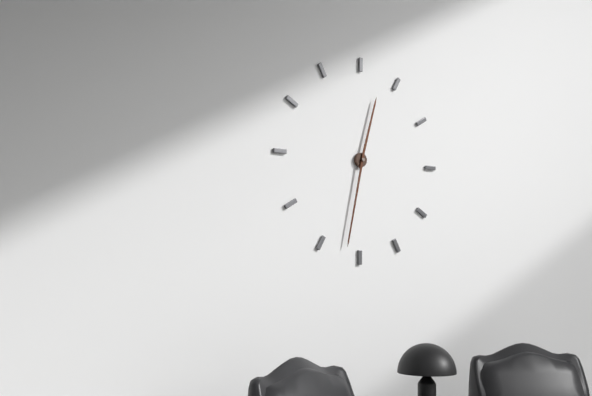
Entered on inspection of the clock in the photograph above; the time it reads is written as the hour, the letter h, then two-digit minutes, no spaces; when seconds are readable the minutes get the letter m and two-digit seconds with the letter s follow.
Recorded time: 12h32
